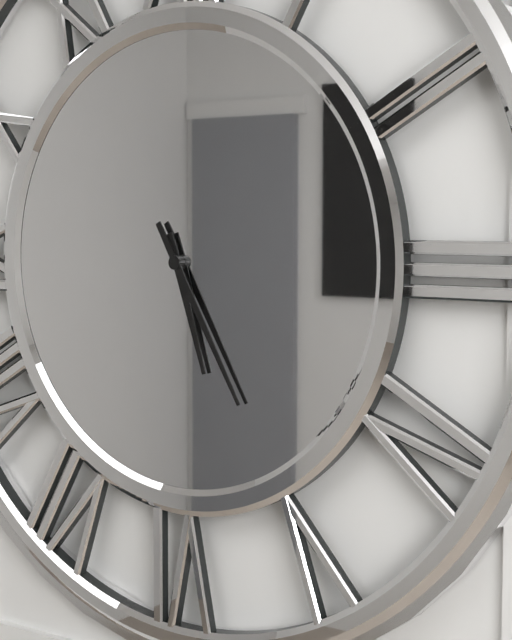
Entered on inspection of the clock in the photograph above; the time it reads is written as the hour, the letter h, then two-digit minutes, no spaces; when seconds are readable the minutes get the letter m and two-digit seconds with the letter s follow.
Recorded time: 5h25
